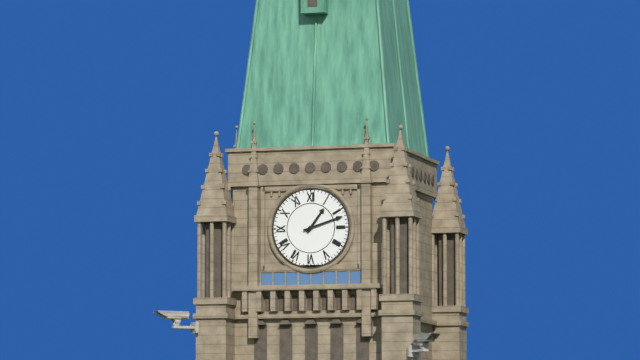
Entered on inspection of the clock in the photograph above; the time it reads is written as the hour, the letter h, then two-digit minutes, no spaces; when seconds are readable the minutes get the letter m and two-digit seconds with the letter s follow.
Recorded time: 1h12
